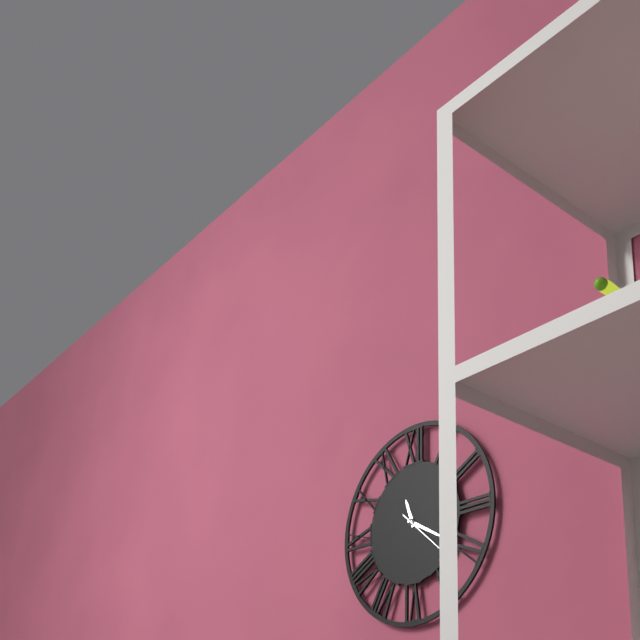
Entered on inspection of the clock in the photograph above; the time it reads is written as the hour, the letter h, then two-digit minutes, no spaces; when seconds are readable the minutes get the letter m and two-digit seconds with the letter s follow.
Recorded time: 11h20m22s
